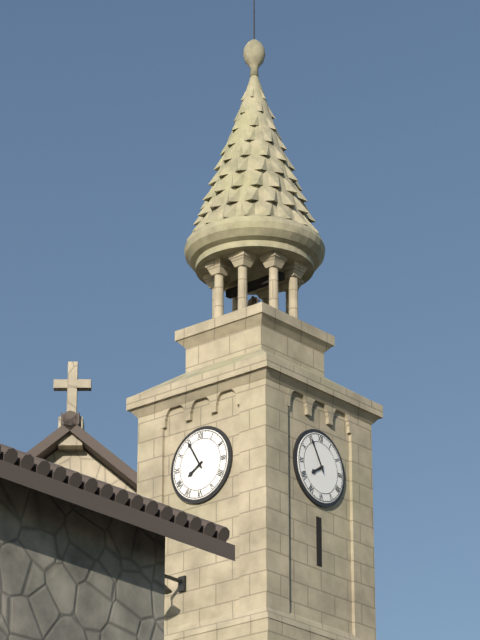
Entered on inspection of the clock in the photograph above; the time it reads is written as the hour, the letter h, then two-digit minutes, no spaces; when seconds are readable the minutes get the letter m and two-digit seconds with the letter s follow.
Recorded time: 7h55
